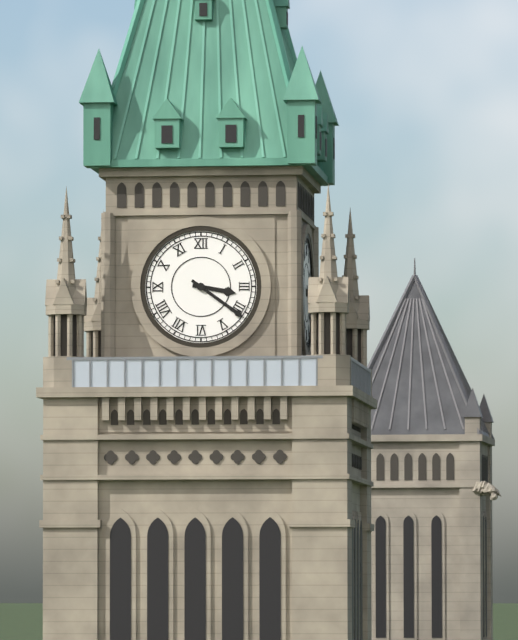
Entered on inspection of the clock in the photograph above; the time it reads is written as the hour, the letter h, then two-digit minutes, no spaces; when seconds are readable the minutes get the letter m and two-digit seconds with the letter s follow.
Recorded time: 3h21
